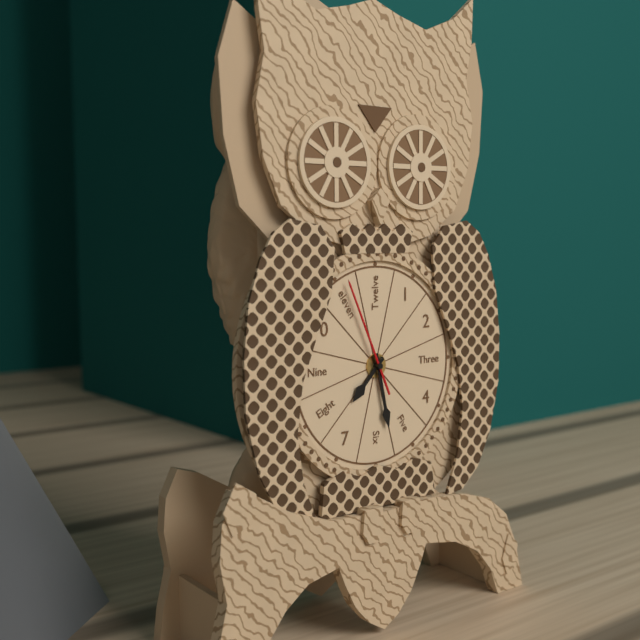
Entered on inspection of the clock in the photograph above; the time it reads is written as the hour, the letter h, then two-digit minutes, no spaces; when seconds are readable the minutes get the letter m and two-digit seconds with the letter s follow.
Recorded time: 7h28m56s
